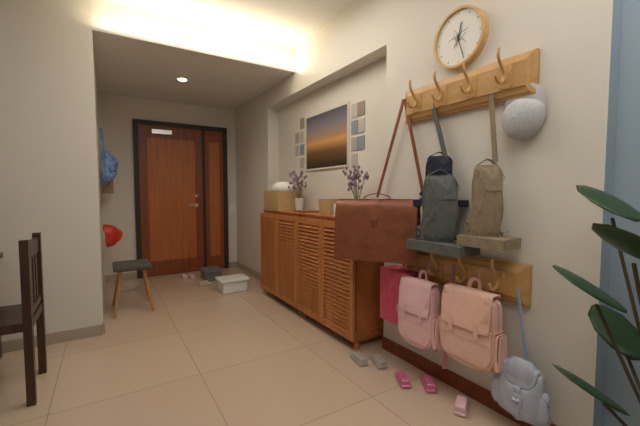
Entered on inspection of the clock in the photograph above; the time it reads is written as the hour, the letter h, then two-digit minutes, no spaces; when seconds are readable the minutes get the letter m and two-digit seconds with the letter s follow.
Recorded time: 12h27
